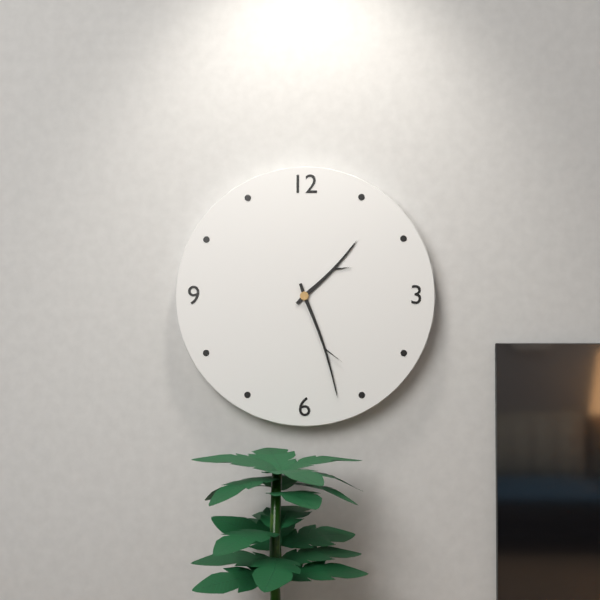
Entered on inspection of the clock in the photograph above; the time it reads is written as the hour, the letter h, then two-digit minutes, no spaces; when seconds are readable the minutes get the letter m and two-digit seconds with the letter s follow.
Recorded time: 1h27
